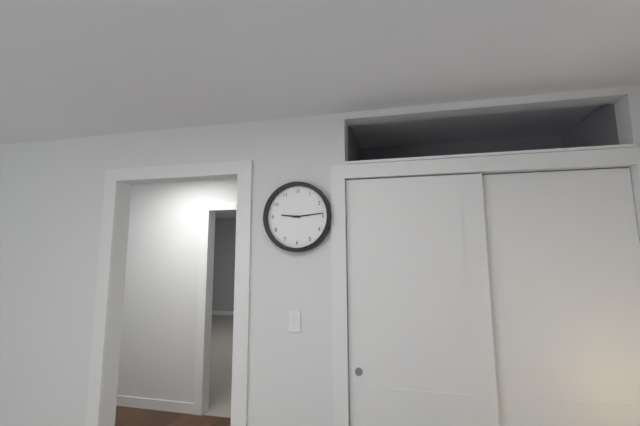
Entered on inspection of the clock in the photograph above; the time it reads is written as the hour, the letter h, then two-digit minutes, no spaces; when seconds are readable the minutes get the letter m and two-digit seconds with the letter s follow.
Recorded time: 9h14
